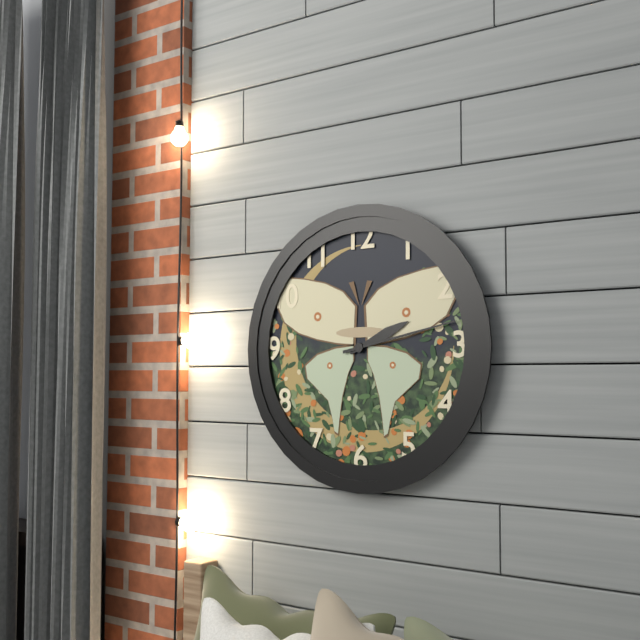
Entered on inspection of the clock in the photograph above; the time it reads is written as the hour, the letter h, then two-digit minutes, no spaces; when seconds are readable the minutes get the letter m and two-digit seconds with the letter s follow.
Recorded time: 2h13
